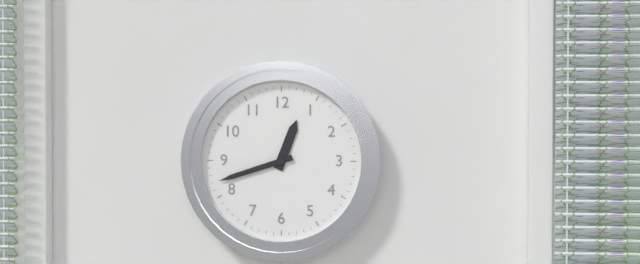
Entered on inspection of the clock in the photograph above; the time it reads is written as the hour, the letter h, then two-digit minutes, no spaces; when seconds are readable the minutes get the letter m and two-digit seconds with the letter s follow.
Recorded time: 12h42
